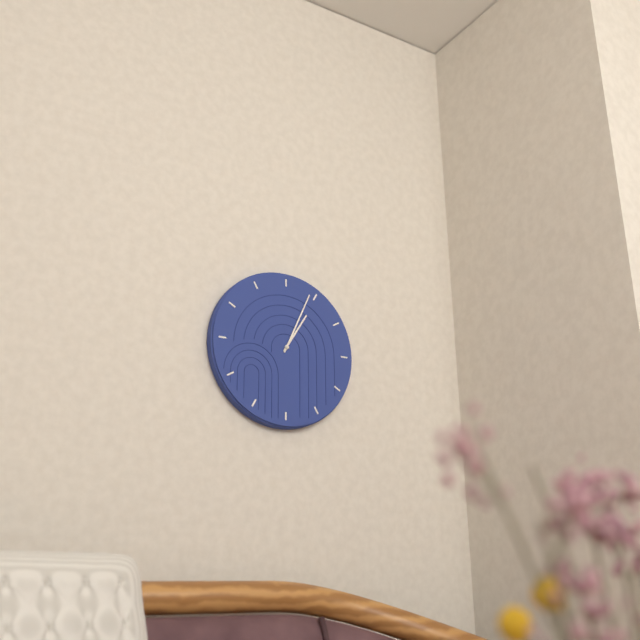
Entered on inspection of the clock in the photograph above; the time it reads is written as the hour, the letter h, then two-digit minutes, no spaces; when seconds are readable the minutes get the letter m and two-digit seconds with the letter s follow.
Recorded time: 1h04
